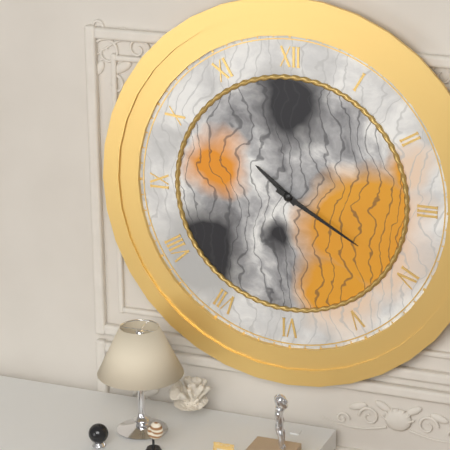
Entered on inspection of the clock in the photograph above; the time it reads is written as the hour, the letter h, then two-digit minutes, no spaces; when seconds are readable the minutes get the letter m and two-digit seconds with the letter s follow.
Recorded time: 10h20
